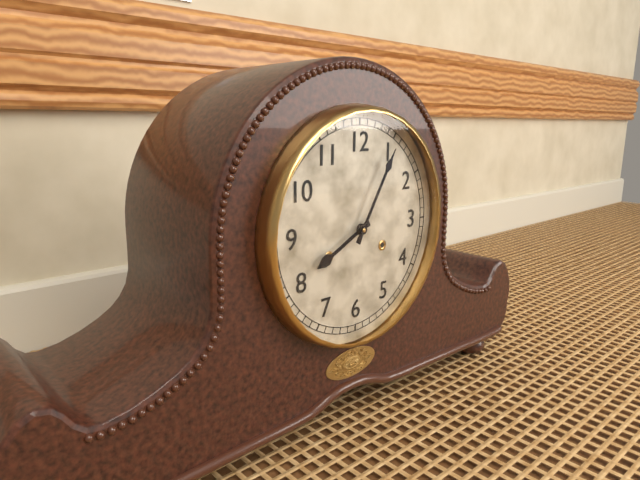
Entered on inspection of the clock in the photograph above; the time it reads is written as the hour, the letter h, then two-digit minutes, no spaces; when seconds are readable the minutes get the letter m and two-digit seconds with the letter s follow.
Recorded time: 8h05
